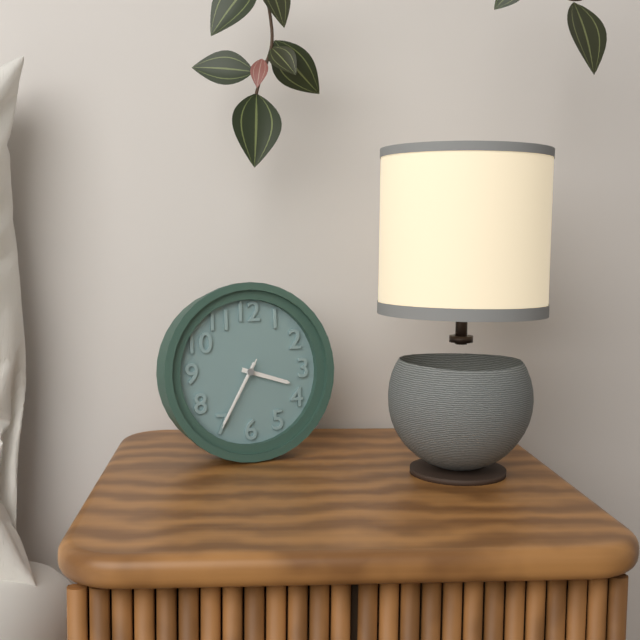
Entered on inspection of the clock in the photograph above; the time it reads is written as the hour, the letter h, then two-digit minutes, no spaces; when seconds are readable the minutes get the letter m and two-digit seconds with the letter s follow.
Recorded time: 3h35m35s
